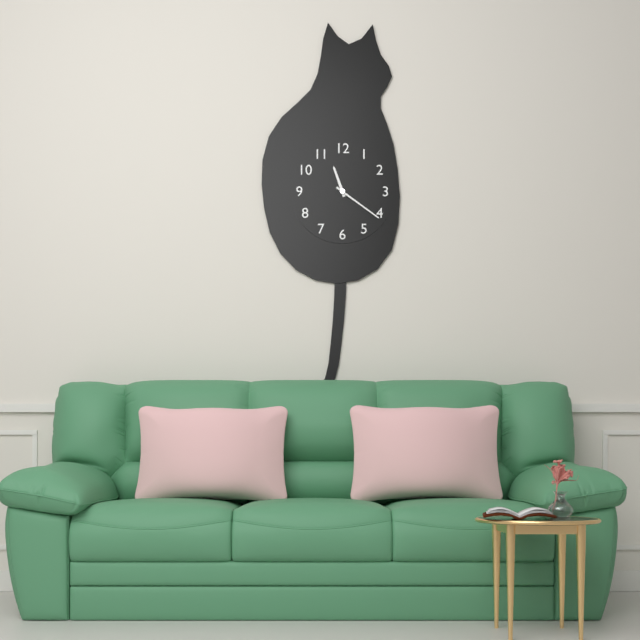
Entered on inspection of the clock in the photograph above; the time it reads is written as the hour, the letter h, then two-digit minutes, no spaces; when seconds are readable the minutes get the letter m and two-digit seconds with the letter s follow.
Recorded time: 11h21
